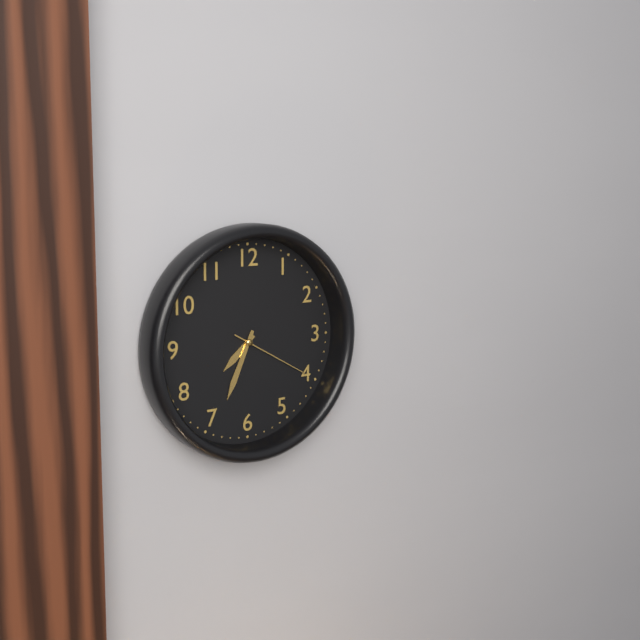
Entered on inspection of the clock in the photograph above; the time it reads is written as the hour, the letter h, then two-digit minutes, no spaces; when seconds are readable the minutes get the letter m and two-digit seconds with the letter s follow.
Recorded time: 7h34m20s
